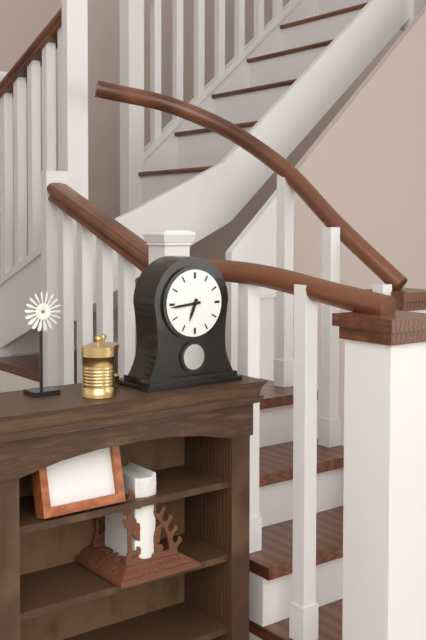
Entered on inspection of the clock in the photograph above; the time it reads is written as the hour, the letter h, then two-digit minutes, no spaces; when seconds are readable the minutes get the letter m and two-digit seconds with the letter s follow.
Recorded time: 6h44
